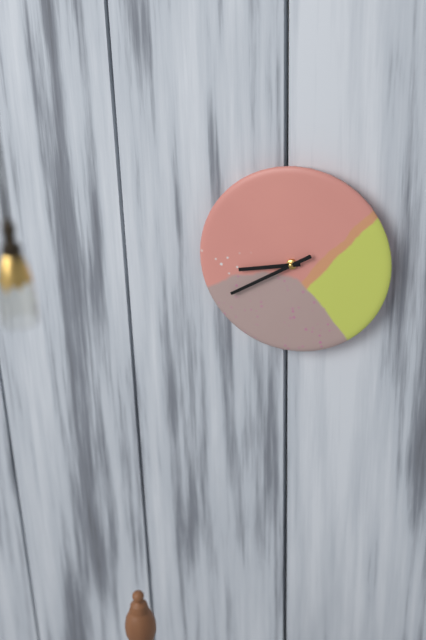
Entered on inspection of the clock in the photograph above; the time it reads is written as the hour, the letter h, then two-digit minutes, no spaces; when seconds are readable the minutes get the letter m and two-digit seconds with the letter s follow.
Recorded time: 8h40
